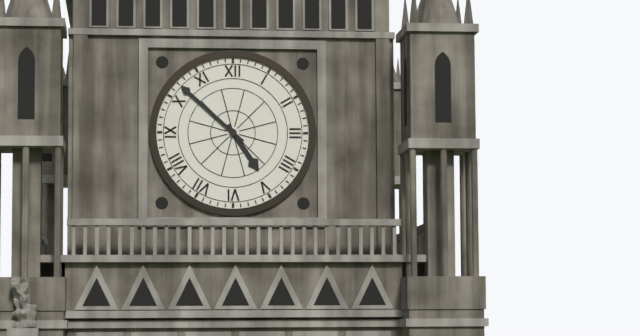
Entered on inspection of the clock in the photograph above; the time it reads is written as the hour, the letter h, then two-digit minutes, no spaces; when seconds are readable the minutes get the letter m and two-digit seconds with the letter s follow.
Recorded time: 4h52
